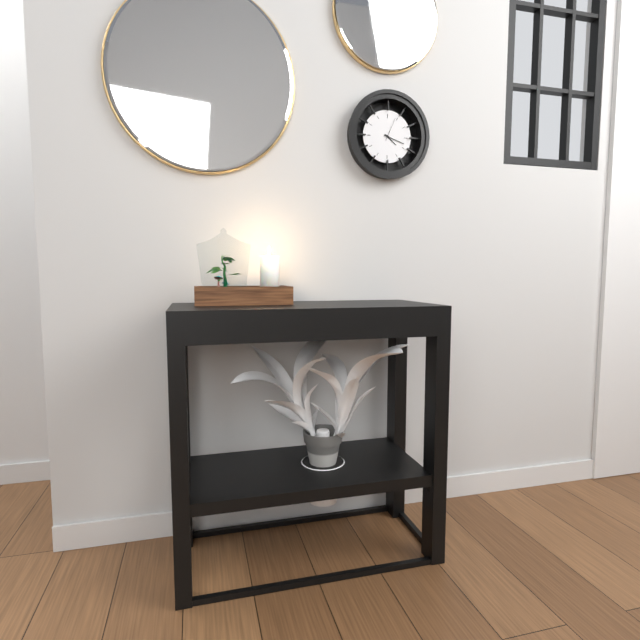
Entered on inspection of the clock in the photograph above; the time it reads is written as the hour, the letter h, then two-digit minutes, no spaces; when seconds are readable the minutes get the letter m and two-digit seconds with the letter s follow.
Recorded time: 4h18
